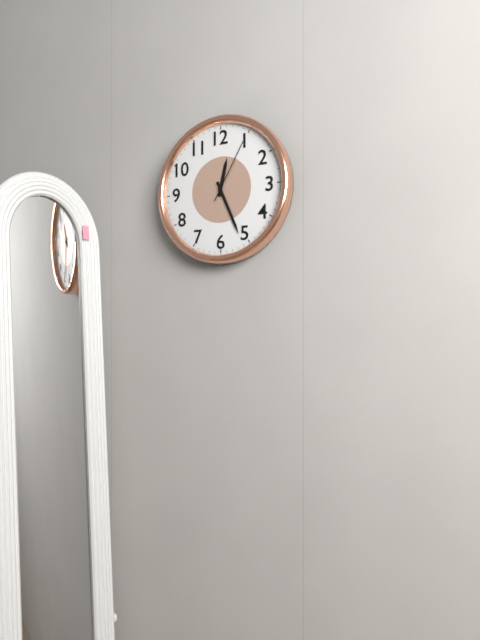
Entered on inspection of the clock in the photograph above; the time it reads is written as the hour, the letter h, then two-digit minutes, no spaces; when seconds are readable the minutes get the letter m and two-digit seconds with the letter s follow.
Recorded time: 12h26m05s
